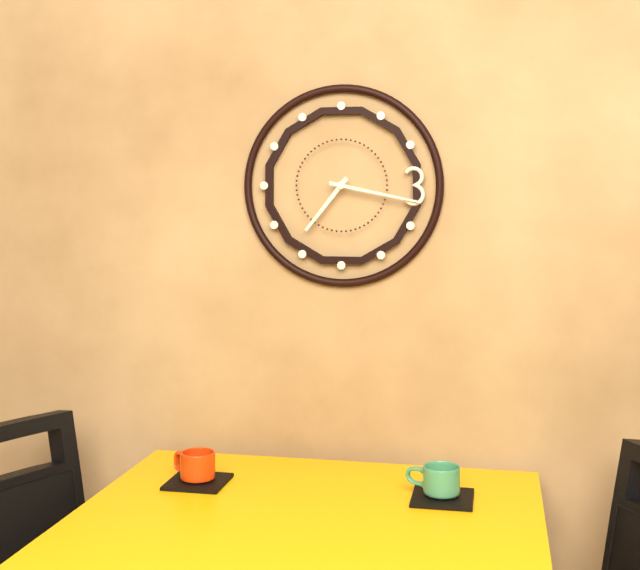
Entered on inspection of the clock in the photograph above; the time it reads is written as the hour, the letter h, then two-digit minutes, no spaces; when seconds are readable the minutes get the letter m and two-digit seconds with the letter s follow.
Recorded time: 7h17
